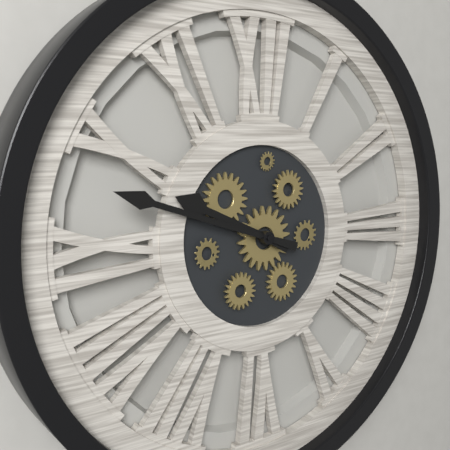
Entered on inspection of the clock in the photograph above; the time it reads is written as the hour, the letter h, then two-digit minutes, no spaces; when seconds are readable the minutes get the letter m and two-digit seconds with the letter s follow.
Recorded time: 9h48
